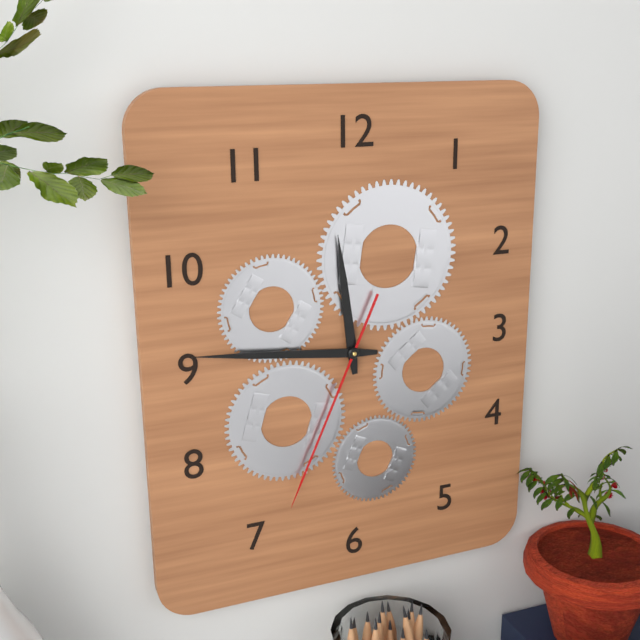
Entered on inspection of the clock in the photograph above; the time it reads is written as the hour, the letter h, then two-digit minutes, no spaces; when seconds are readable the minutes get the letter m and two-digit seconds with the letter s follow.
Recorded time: 11h46m34s
